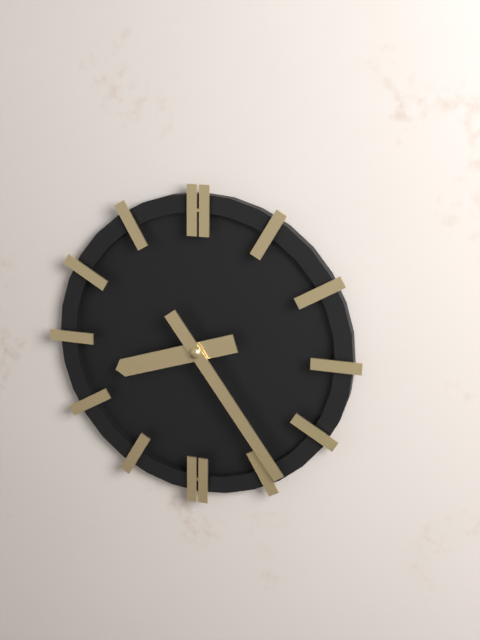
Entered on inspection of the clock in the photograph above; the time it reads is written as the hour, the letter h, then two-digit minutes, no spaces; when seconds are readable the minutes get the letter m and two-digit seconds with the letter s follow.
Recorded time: 8h24
